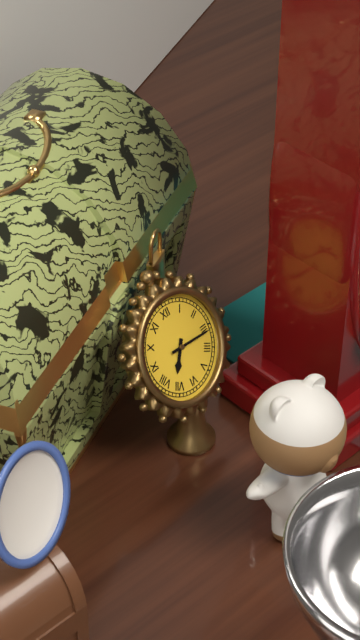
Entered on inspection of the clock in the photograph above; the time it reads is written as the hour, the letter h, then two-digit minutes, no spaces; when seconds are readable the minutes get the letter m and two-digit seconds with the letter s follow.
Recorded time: 7h16
